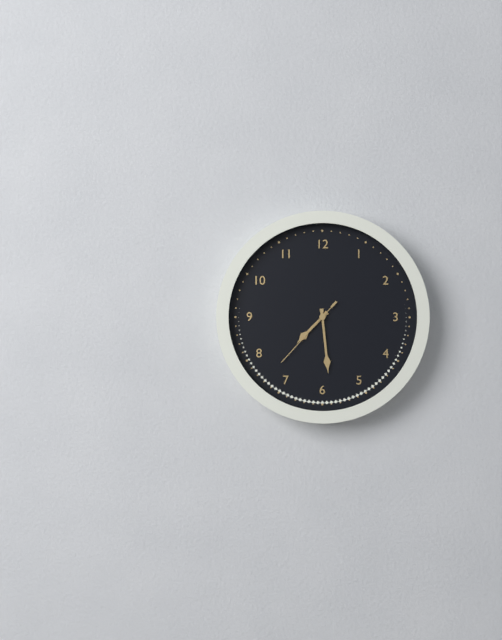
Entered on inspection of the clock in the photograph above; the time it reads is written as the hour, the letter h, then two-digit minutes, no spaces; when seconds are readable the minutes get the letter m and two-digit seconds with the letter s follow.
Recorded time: 7h29m37s
